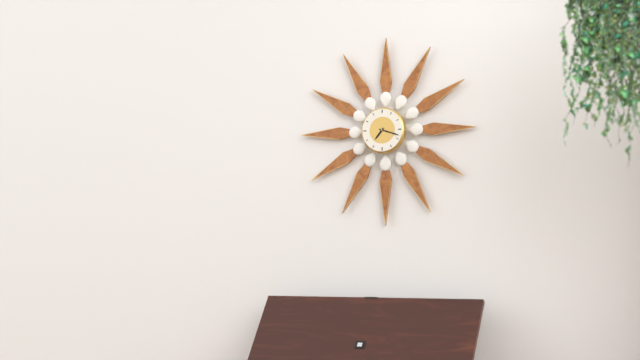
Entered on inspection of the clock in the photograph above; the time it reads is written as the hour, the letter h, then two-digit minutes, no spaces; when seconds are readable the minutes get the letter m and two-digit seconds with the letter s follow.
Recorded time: 7h18
